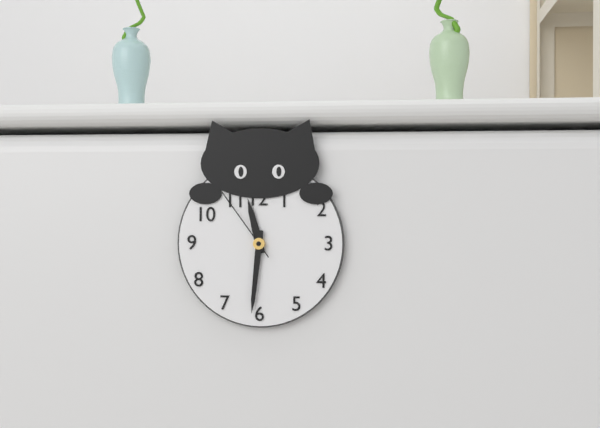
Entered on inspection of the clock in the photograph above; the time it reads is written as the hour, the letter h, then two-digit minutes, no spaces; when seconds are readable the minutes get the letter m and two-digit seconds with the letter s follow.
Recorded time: 11h31m54s
